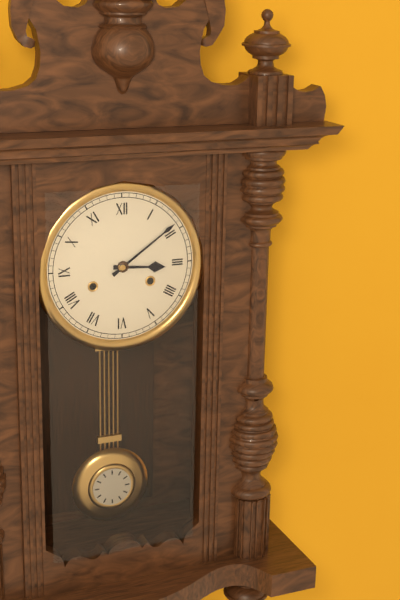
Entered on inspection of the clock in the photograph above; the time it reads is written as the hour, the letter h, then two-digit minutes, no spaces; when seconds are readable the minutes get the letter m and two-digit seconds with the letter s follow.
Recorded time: 3h09
